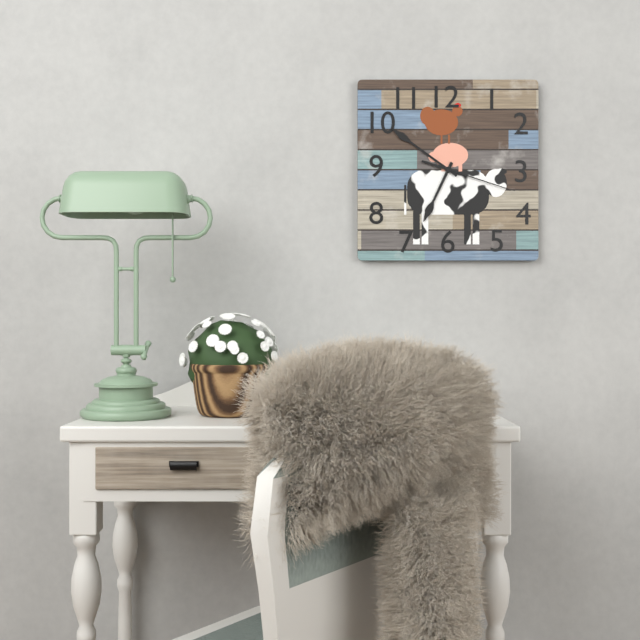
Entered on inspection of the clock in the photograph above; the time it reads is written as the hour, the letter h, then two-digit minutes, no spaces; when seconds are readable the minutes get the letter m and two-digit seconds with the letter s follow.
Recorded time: 6h51m18s
